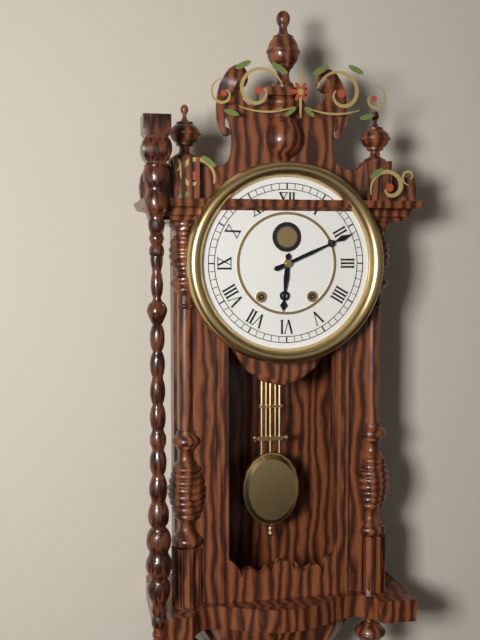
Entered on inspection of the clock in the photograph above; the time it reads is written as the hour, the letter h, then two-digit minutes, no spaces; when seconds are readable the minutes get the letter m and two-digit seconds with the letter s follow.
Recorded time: 6h11
